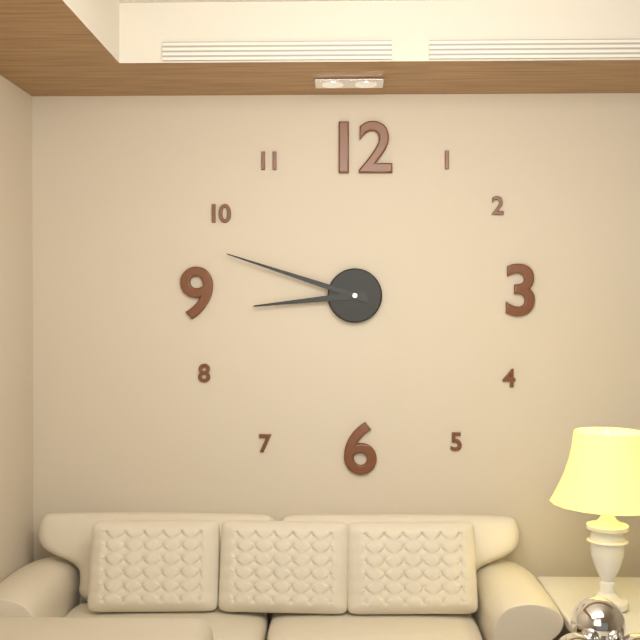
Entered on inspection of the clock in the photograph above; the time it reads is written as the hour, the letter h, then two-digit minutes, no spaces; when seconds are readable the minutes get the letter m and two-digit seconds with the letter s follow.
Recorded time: 8h48
